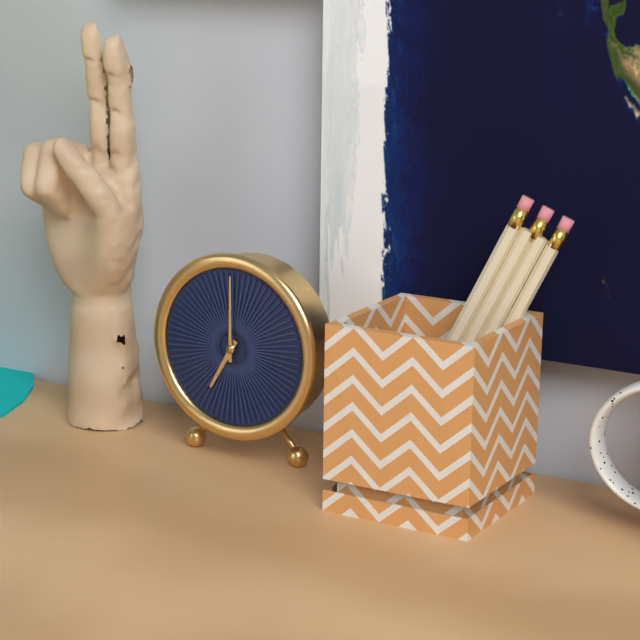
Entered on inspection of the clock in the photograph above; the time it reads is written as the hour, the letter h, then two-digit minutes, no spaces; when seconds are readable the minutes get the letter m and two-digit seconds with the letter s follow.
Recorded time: 7h00
